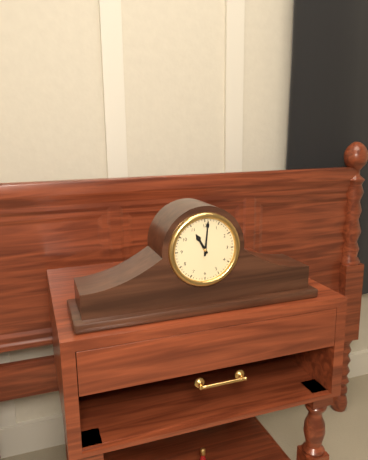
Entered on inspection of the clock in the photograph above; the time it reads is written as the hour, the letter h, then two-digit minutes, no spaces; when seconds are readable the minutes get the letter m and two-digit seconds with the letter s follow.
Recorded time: 11h01
